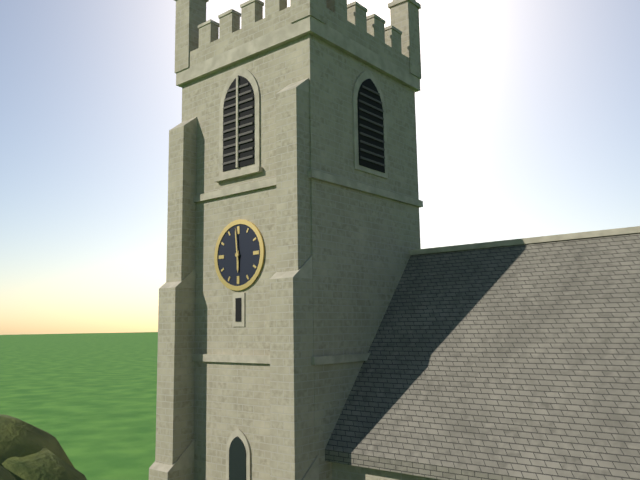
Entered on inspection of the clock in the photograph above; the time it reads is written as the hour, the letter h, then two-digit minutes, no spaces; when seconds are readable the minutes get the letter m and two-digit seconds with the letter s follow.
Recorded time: 5h59
